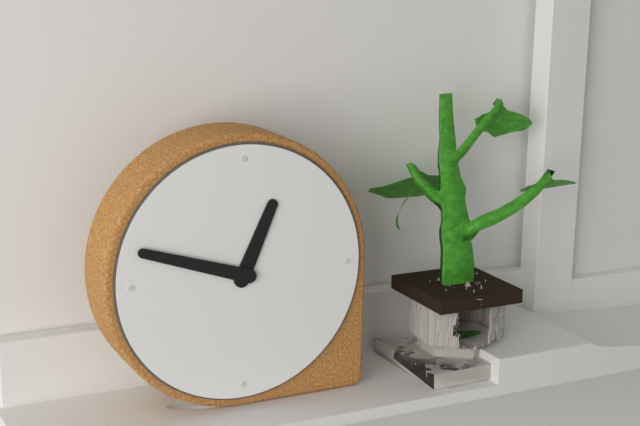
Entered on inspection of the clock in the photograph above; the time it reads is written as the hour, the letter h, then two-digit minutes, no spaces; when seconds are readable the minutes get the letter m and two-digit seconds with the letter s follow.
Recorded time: 12h48
